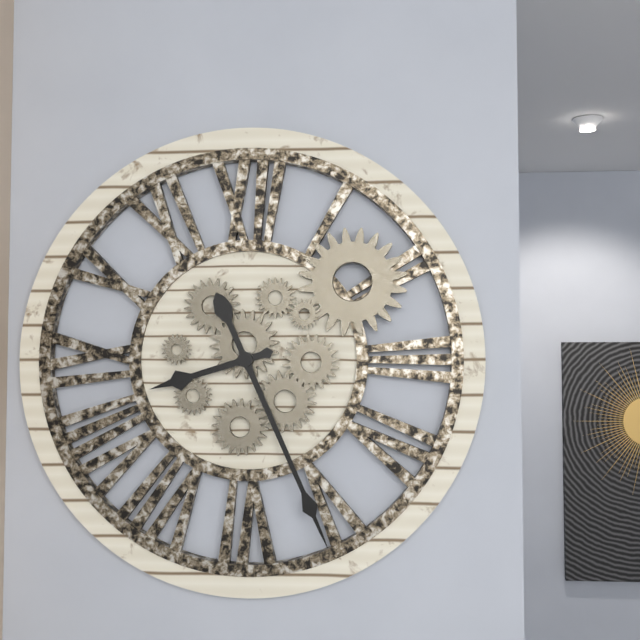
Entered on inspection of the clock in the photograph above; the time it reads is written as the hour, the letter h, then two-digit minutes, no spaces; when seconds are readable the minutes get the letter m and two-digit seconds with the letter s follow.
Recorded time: 8h26
